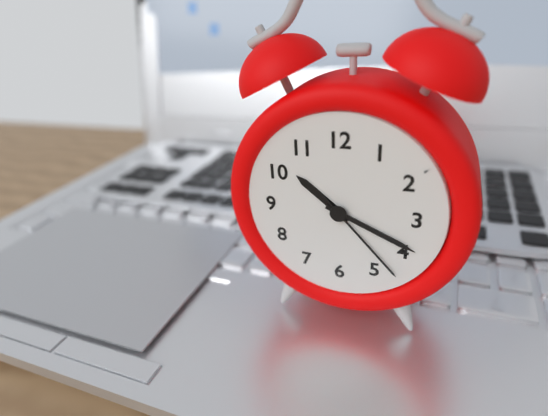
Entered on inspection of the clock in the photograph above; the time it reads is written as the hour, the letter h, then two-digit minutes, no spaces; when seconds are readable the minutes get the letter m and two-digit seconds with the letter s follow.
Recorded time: 10h19m23s
